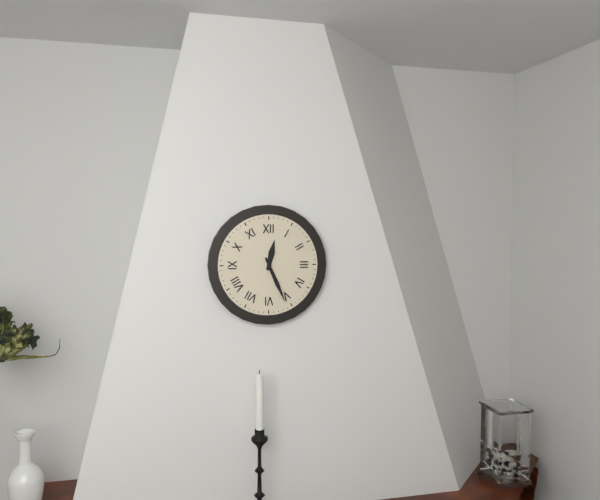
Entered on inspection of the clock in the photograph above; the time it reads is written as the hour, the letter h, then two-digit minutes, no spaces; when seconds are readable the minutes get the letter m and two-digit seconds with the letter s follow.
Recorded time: 12h26
